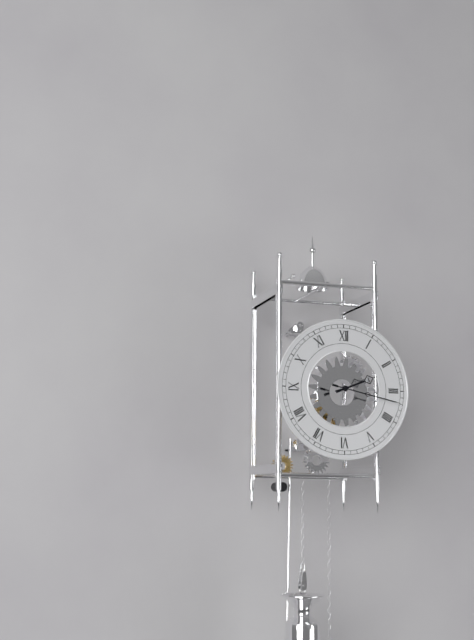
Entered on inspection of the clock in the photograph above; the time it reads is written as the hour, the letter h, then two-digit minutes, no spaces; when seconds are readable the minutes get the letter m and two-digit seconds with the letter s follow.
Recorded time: 2h17
